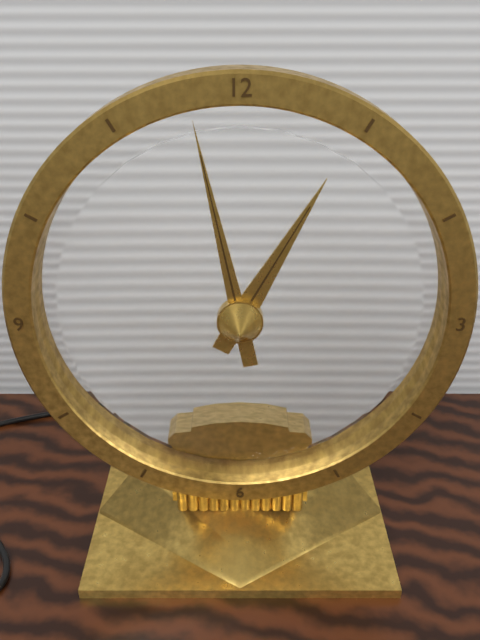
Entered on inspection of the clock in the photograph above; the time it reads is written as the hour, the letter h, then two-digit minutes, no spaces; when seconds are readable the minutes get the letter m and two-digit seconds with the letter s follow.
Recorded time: 12h58
